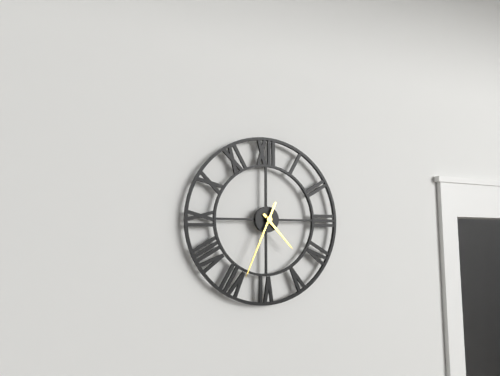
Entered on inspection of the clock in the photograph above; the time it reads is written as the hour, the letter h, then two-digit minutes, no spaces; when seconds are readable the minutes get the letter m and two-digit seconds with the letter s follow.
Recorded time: 4h34
